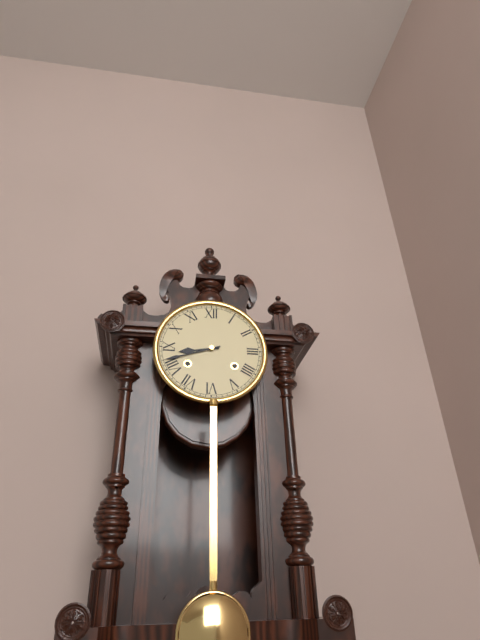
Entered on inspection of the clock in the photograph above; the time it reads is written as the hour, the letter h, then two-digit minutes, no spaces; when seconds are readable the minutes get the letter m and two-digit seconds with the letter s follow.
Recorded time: 8h42
